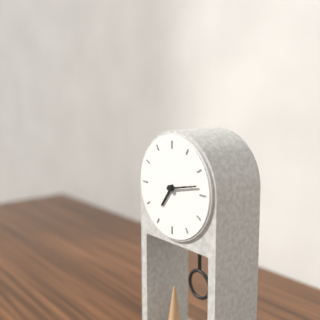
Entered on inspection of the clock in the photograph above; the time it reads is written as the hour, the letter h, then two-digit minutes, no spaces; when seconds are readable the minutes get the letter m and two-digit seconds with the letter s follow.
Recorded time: 7h13
